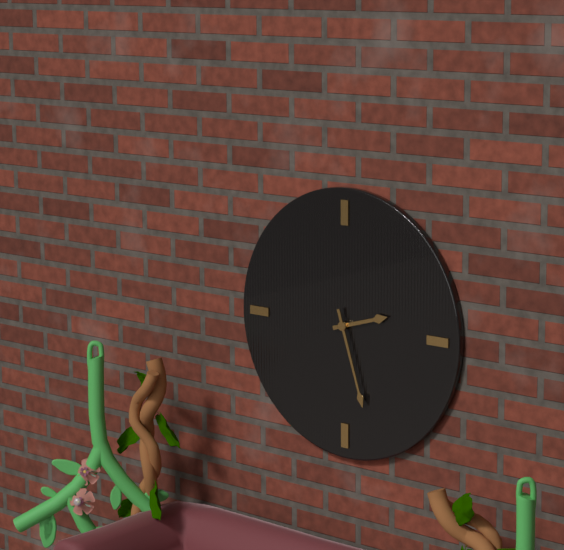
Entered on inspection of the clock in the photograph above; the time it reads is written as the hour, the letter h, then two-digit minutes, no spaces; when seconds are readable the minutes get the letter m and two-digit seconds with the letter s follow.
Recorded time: 2h27
